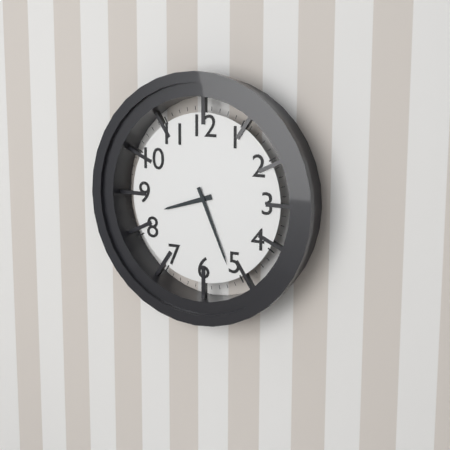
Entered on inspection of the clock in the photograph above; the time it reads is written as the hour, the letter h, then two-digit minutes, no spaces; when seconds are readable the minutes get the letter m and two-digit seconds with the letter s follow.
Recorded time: 8h26
